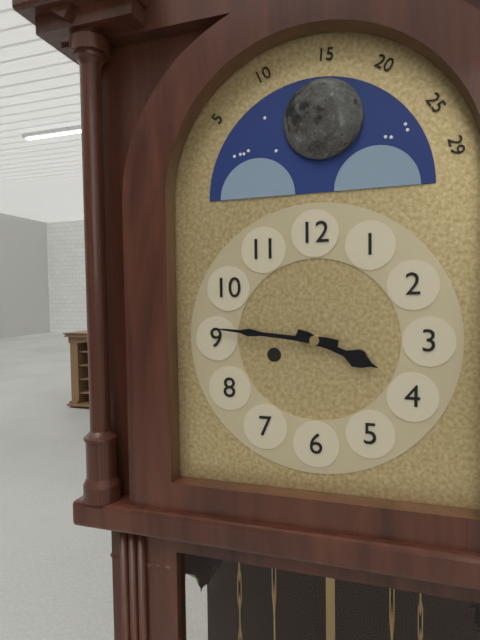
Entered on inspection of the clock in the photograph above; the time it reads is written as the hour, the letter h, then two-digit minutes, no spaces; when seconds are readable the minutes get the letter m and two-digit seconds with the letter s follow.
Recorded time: 3h46
